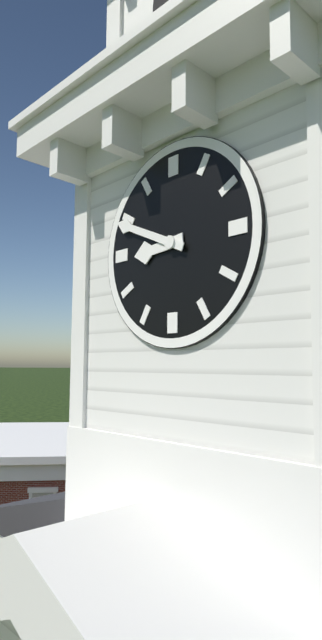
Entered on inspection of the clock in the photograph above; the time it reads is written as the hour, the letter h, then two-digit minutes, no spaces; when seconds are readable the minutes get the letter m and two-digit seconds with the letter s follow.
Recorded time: 8h49
